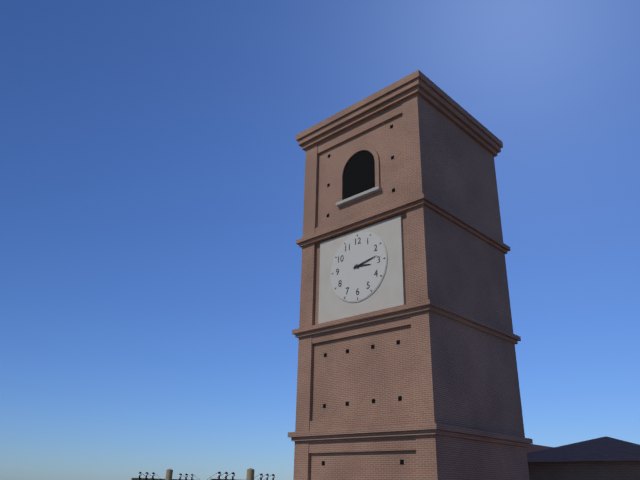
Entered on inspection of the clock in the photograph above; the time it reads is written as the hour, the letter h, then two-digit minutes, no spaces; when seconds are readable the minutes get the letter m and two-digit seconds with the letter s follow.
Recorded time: 3h13
